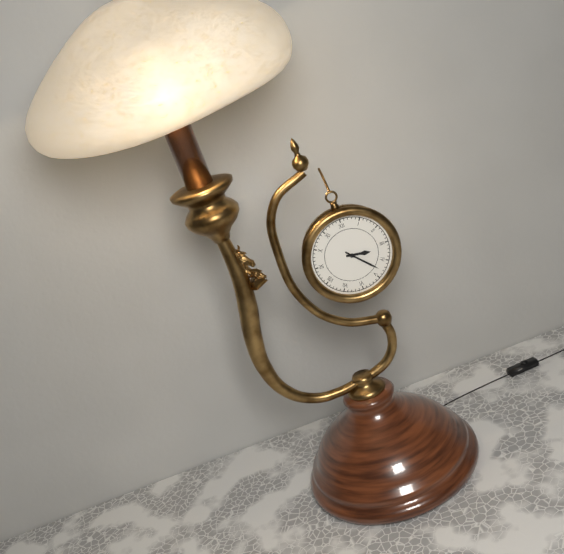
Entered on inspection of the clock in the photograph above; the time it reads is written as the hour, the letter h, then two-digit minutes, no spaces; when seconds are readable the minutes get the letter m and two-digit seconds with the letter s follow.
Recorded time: 3h23
